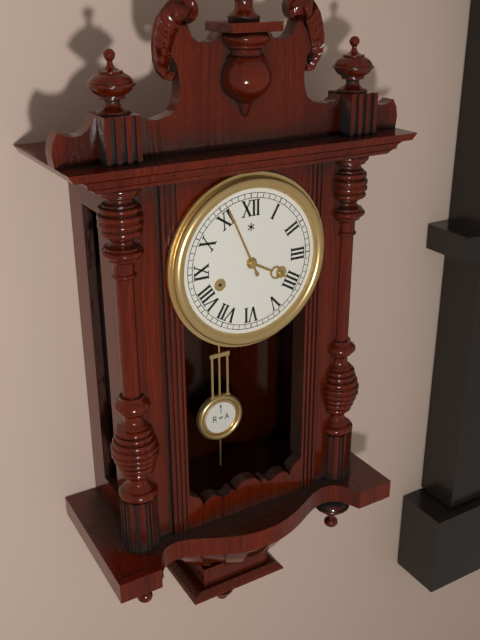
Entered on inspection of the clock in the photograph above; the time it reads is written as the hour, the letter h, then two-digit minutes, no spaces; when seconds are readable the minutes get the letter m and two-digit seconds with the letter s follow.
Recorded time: 3h56
